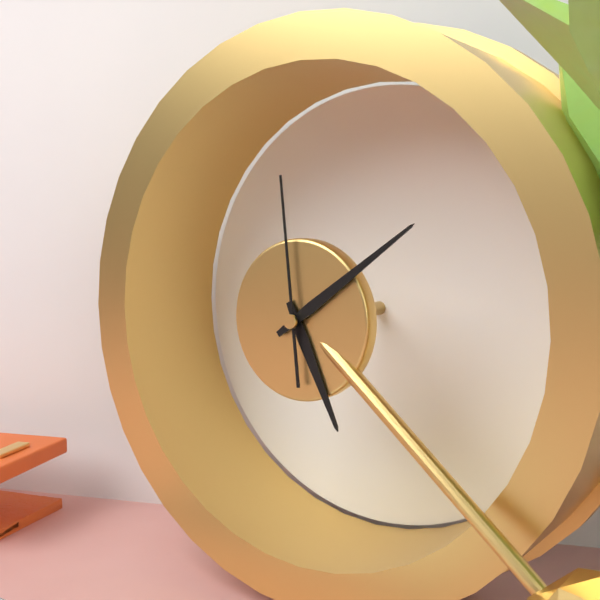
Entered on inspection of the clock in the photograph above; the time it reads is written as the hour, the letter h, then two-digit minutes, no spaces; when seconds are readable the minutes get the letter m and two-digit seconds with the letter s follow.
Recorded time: 5h09m59s
